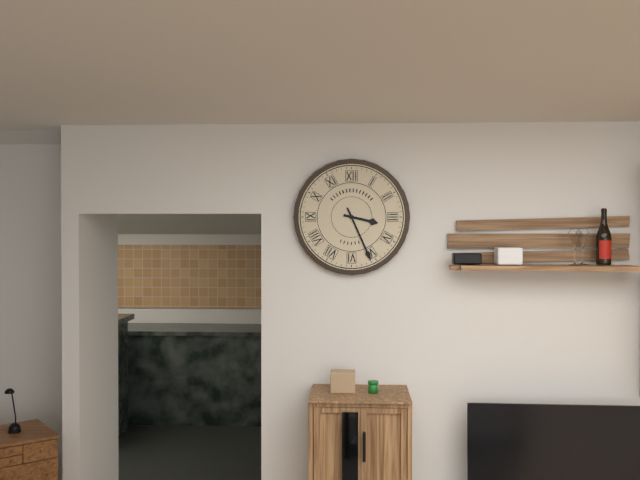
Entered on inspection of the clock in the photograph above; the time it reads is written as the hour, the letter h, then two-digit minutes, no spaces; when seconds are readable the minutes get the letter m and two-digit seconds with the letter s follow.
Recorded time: 3h26
